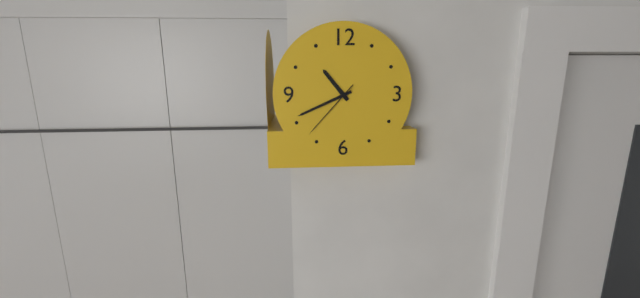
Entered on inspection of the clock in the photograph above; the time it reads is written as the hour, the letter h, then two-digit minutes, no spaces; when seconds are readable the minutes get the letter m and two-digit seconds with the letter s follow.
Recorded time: 10h41m37s
